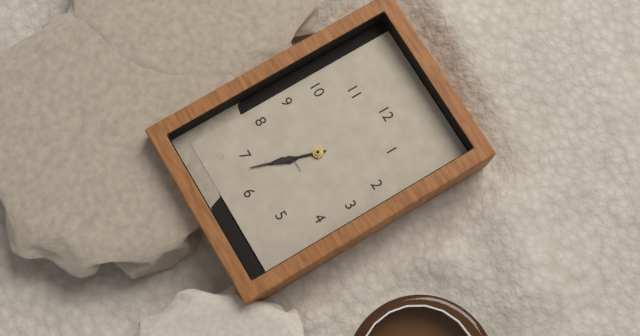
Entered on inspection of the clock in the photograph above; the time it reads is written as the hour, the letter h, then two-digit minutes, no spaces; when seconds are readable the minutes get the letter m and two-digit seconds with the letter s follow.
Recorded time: 6h33
